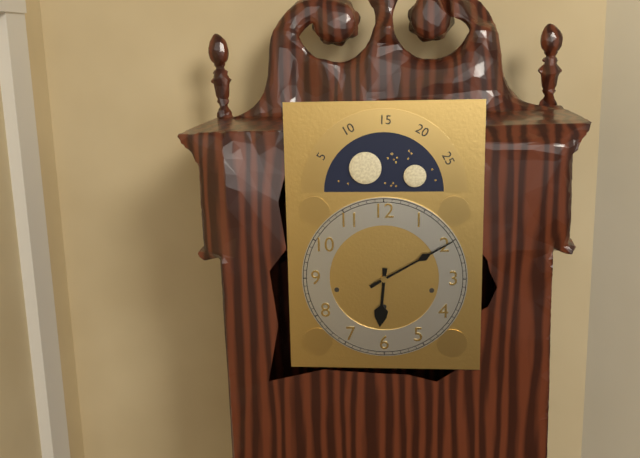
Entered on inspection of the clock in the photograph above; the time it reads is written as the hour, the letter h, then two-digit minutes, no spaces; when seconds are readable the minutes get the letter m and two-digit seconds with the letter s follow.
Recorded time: 6h10
